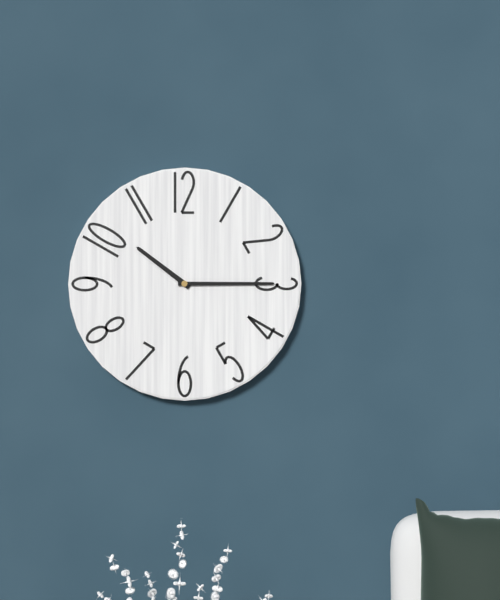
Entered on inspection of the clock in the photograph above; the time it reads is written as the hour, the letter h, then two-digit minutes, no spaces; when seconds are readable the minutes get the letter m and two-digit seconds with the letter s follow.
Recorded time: 10h15
